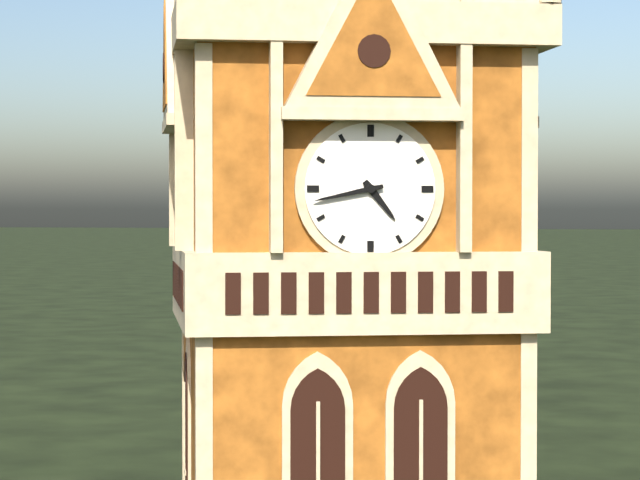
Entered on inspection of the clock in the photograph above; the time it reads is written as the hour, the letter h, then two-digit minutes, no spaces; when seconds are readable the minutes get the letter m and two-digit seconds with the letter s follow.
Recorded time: 4h43
